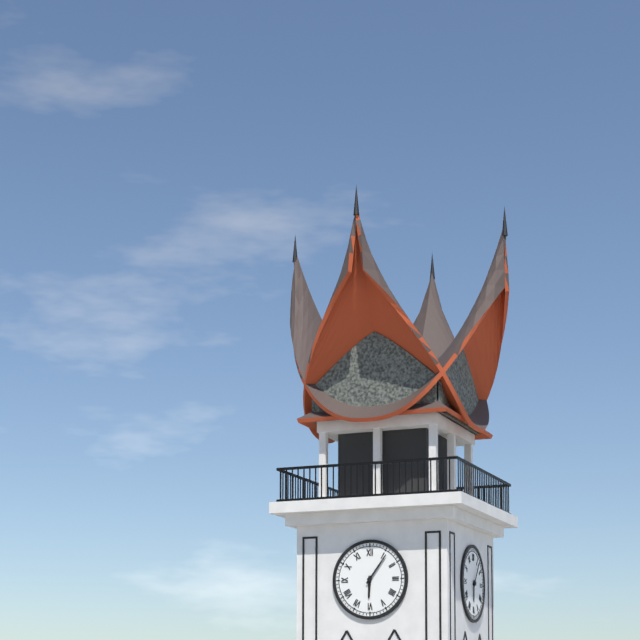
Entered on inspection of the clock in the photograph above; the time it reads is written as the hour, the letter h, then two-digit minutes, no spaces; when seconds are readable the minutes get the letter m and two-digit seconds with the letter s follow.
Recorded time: 6h06
